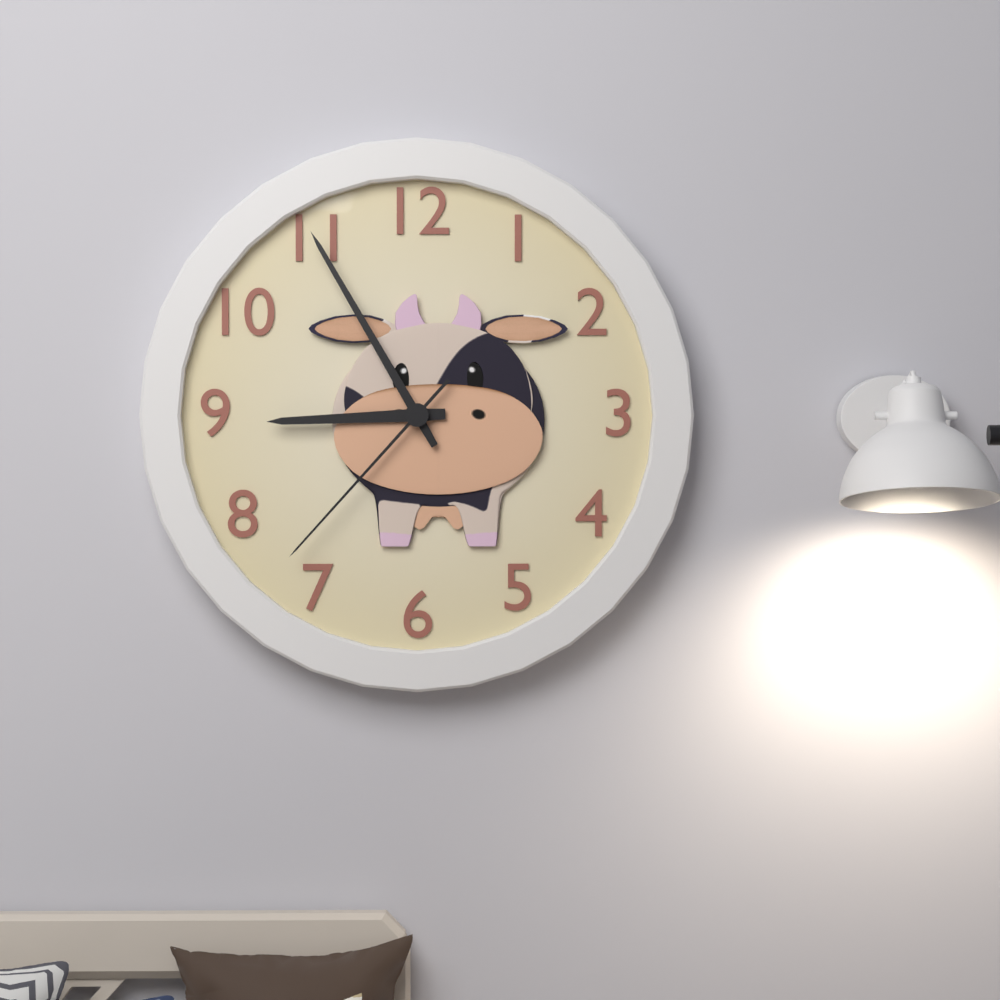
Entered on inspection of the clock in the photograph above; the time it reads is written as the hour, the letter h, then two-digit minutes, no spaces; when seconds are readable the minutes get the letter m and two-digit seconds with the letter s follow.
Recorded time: 8h55m37s
